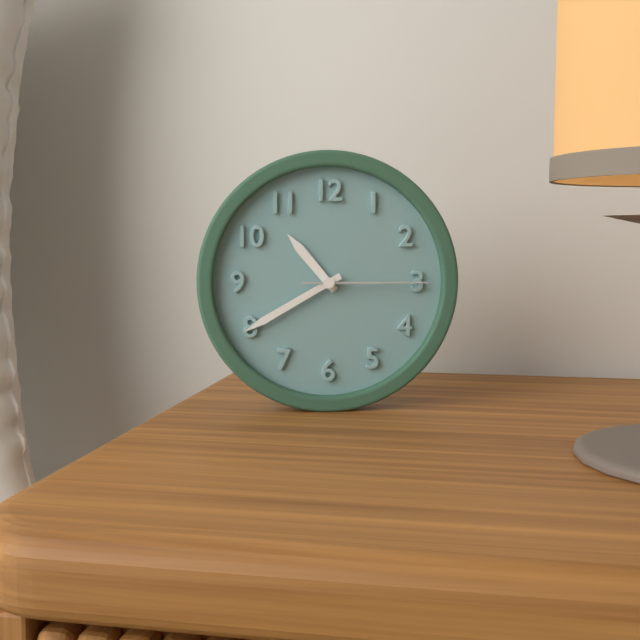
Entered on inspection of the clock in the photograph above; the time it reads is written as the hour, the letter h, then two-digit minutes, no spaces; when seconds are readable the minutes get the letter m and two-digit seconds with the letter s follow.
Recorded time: 10h40m15s
